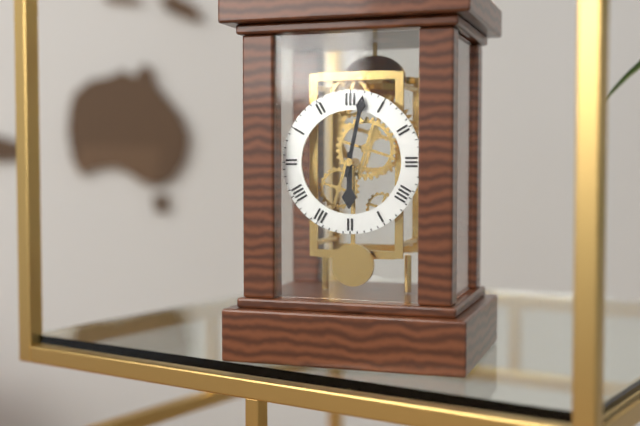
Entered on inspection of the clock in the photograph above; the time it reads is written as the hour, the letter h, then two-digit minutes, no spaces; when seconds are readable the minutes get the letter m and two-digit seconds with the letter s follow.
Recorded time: 6h02
